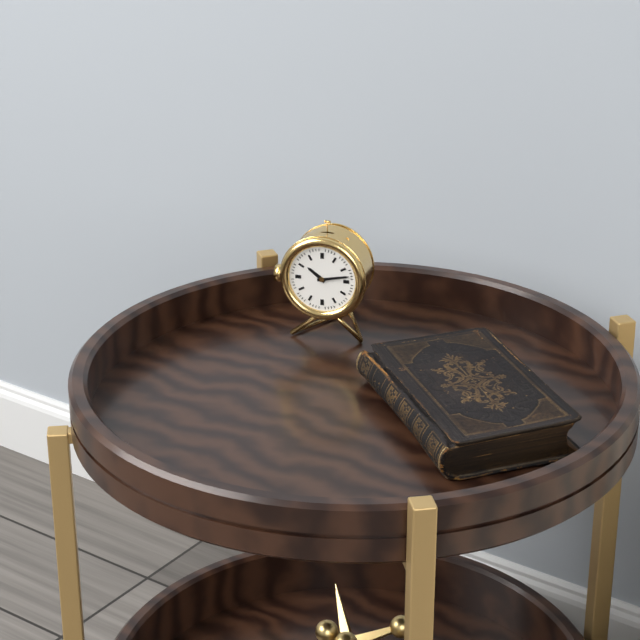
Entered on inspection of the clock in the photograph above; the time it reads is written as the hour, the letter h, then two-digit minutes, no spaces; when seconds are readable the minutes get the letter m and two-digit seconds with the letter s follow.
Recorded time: 10h13
